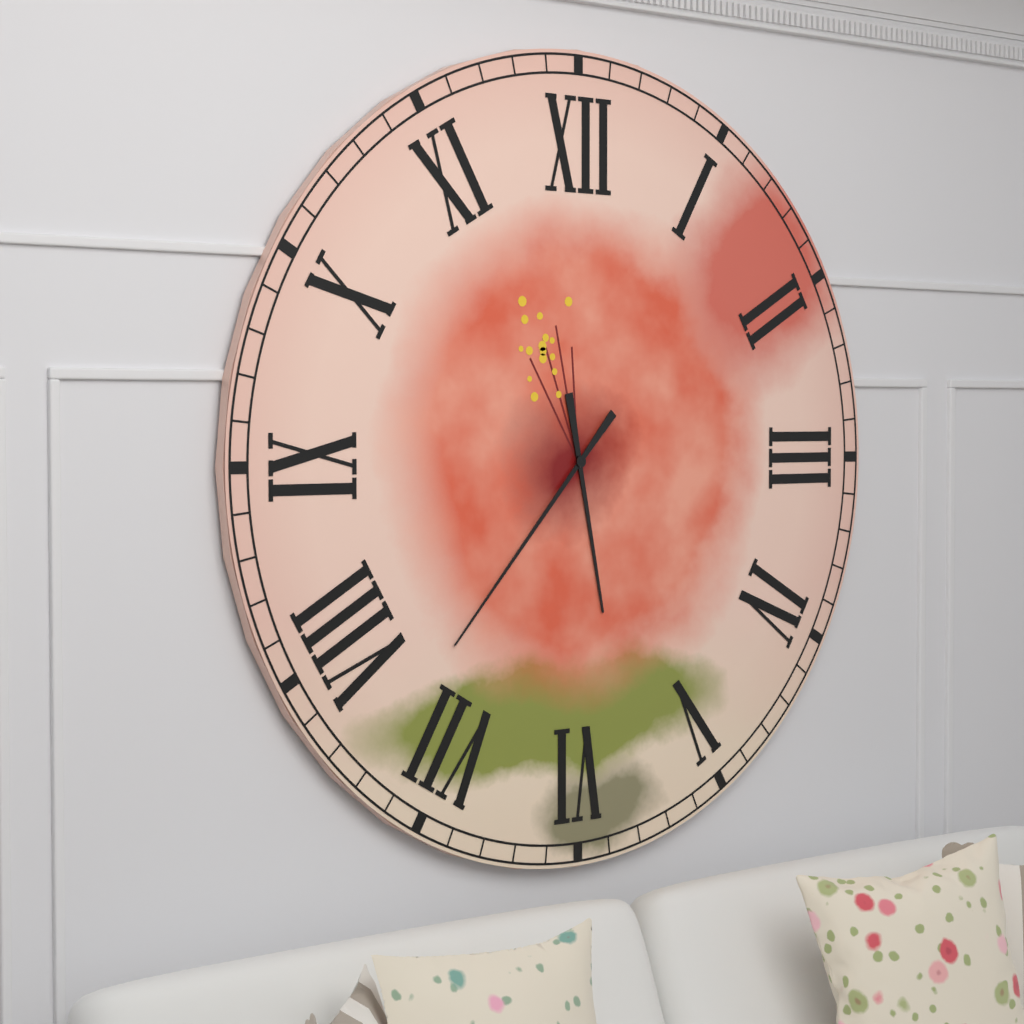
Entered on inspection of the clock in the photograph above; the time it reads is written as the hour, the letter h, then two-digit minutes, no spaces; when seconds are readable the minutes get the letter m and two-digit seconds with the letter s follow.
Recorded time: 5h37
